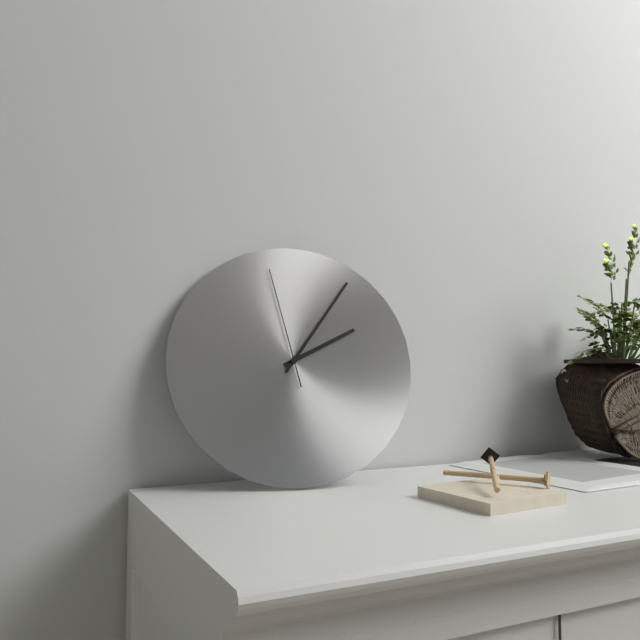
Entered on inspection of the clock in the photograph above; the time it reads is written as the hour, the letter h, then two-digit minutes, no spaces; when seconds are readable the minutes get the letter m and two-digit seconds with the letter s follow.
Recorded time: 2h06m58s
